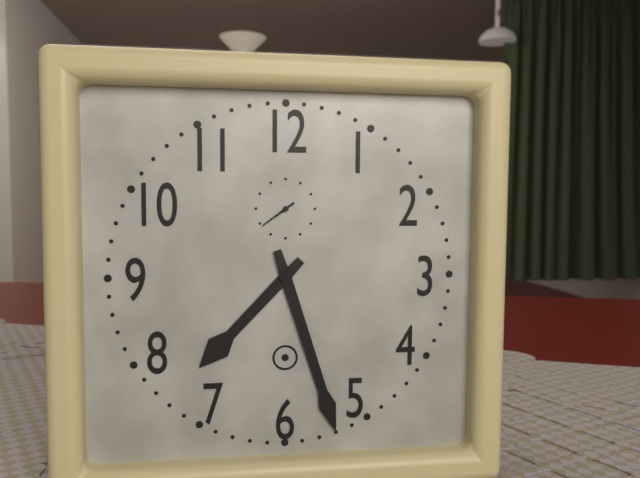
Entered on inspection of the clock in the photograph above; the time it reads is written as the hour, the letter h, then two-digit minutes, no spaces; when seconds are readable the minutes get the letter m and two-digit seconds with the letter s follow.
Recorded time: 7h27
